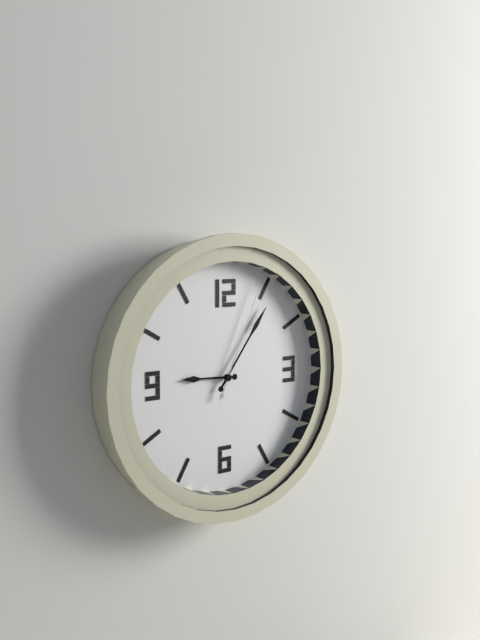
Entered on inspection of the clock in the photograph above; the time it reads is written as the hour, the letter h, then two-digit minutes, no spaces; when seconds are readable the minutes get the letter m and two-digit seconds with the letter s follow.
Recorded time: 9h06m04s
